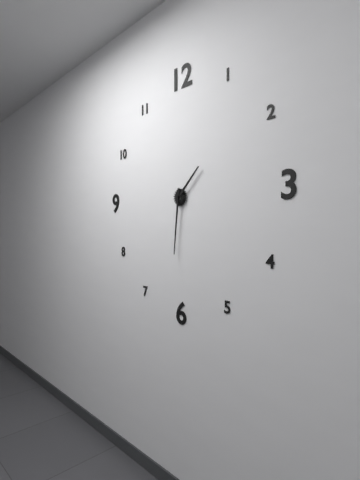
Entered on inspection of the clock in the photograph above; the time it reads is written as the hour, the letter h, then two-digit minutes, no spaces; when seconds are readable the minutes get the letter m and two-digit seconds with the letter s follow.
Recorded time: 1h31
